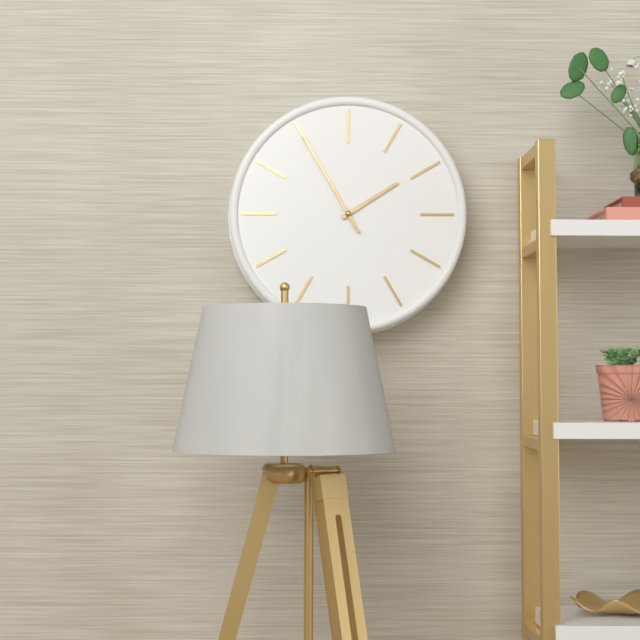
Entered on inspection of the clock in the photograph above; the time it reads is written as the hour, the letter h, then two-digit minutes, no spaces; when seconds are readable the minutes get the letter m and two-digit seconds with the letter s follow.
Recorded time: 1h55
